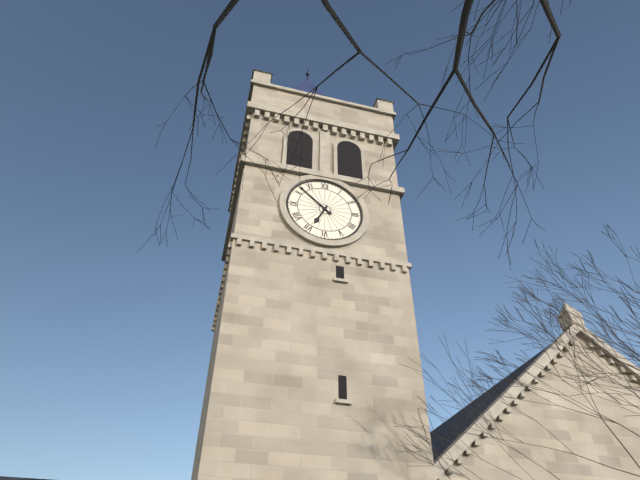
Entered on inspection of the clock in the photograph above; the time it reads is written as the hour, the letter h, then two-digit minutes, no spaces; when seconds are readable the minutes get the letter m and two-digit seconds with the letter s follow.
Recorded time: 6h52
